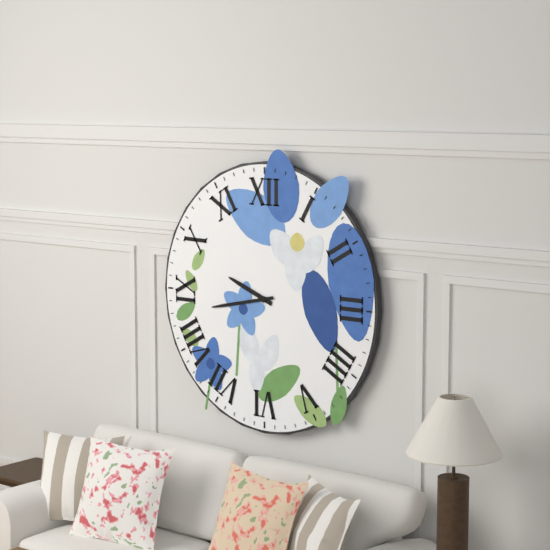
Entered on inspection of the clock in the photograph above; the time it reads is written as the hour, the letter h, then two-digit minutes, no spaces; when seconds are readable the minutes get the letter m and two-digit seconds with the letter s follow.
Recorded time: 9h43
